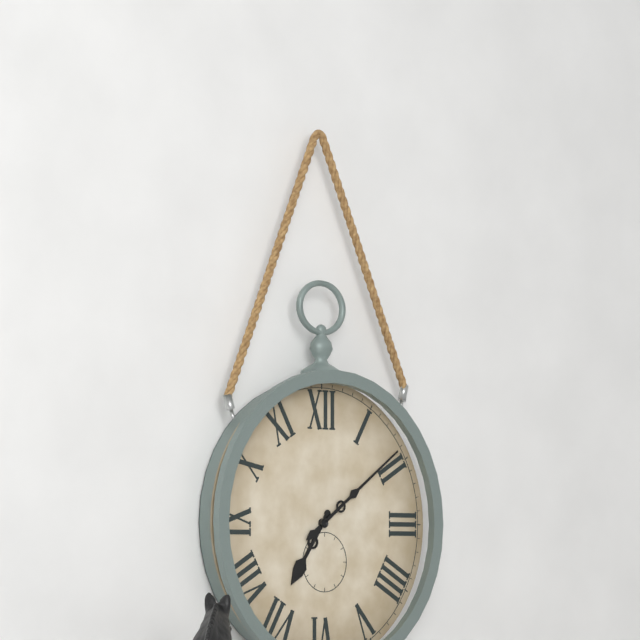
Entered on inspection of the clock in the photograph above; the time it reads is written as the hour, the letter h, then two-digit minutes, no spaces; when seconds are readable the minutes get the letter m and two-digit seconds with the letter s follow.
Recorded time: 7h09
